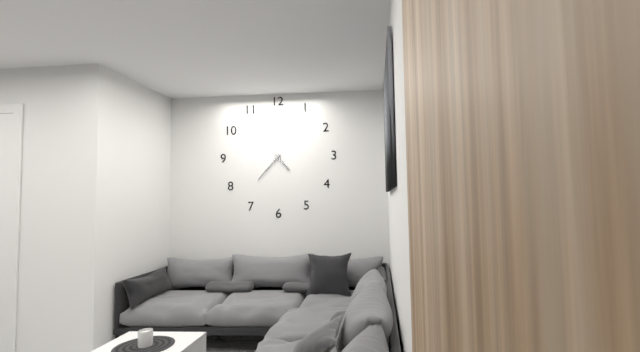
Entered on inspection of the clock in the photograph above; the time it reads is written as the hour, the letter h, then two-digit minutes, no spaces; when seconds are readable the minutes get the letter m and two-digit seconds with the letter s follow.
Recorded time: 4h37
